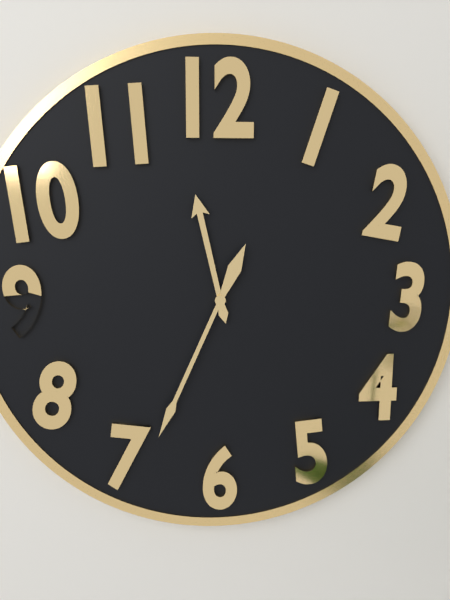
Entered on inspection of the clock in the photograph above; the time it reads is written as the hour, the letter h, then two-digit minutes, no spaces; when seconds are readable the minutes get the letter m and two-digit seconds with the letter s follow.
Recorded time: 11h34
